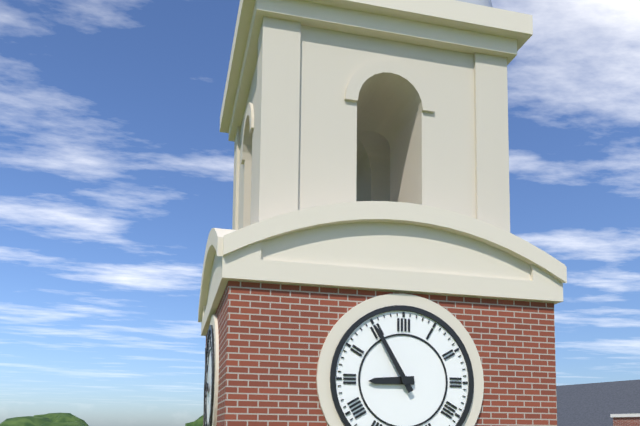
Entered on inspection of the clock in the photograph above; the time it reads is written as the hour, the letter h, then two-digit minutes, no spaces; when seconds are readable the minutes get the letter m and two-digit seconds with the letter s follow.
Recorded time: 8h55
